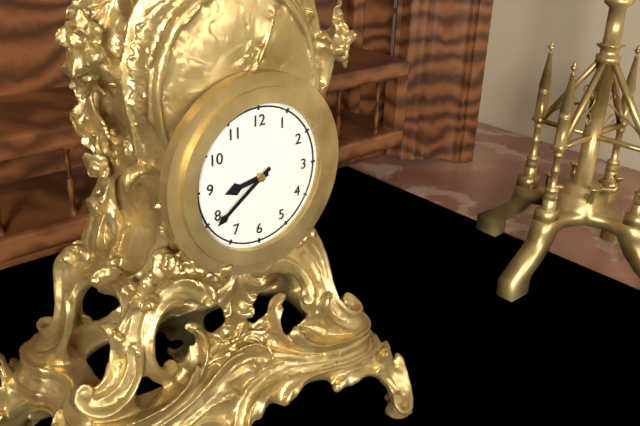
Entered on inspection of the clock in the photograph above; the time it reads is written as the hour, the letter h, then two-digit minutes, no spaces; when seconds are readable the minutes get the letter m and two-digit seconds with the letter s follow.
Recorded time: 8h39
